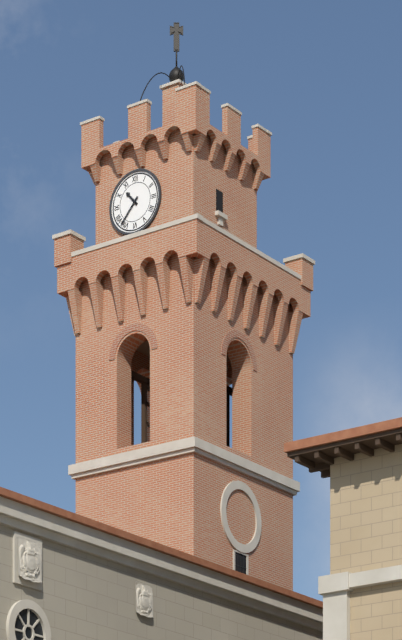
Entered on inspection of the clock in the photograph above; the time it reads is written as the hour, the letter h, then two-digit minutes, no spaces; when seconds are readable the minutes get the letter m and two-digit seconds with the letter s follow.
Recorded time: 10h37
